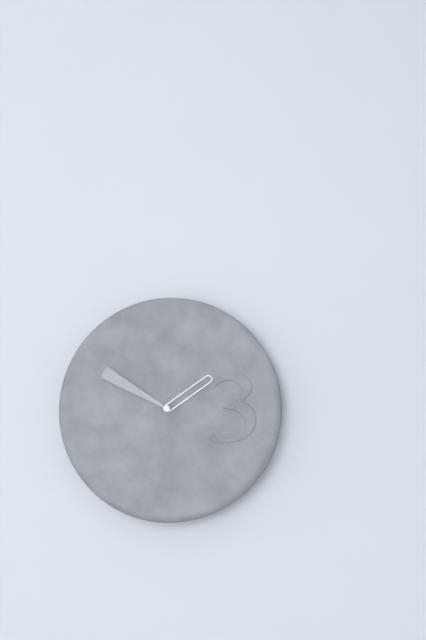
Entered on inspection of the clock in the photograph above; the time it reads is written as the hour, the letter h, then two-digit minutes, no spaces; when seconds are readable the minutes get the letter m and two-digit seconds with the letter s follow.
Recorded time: 1h50
